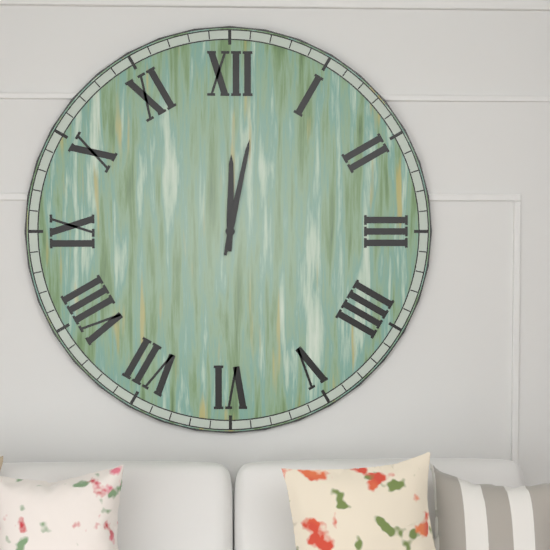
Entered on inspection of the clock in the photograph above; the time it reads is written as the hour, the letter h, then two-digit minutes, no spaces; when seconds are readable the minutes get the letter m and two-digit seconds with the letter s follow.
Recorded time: 12h02
